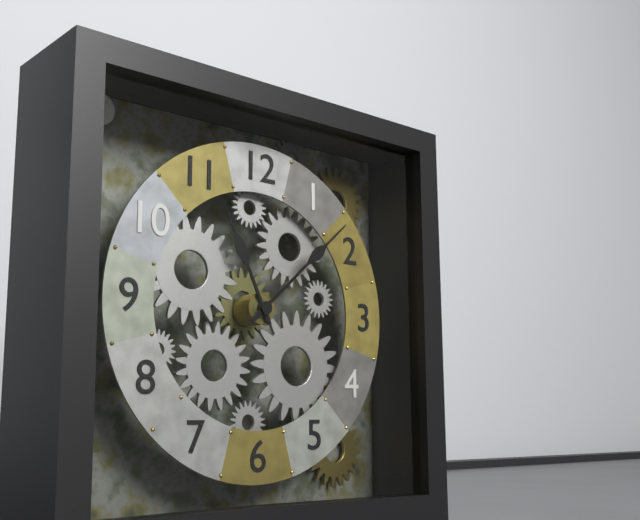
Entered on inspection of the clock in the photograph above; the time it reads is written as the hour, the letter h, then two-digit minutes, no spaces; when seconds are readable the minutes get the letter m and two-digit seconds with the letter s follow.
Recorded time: 11h08
